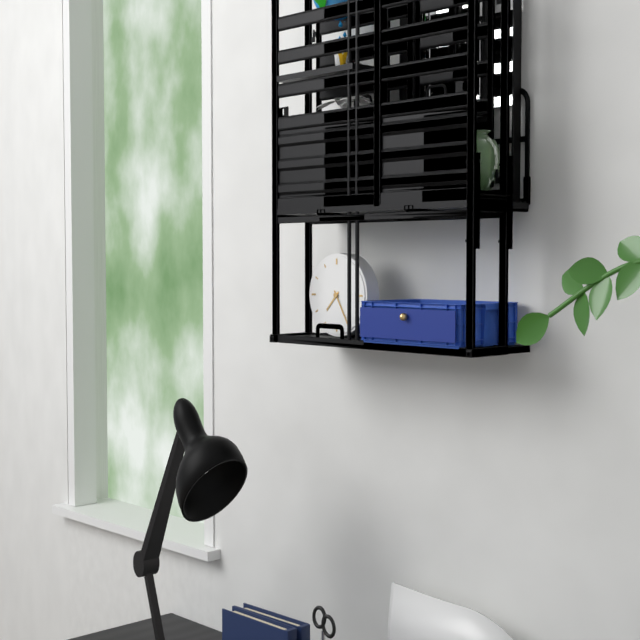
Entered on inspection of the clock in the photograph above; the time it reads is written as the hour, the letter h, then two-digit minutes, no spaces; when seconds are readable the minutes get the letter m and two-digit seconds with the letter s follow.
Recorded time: 7h25
